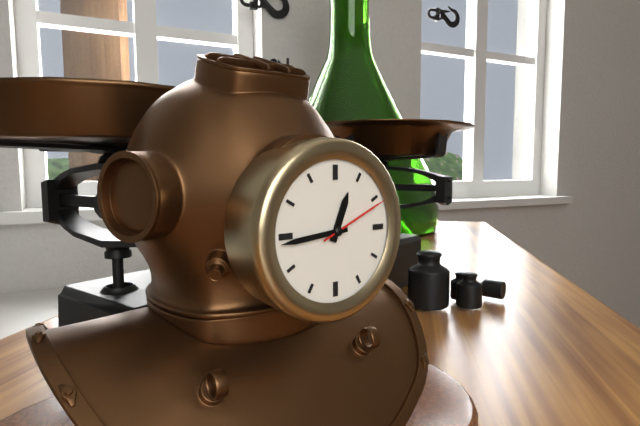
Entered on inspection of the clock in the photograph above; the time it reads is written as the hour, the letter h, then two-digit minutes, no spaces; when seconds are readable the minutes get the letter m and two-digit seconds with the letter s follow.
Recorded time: 12h44m11s
